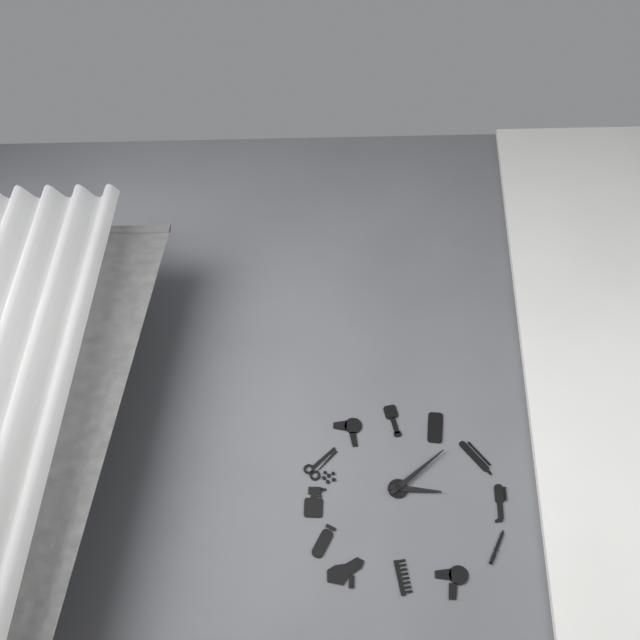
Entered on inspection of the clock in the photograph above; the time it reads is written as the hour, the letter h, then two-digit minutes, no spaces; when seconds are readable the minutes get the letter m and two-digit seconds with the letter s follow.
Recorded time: 3h08
